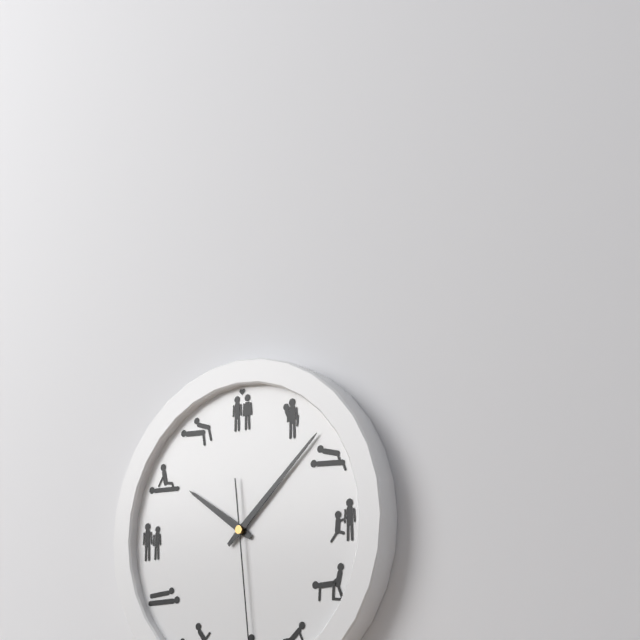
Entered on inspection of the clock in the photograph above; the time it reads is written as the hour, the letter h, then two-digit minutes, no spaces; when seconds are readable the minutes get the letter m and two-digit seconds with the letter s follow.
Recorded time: 10h08
